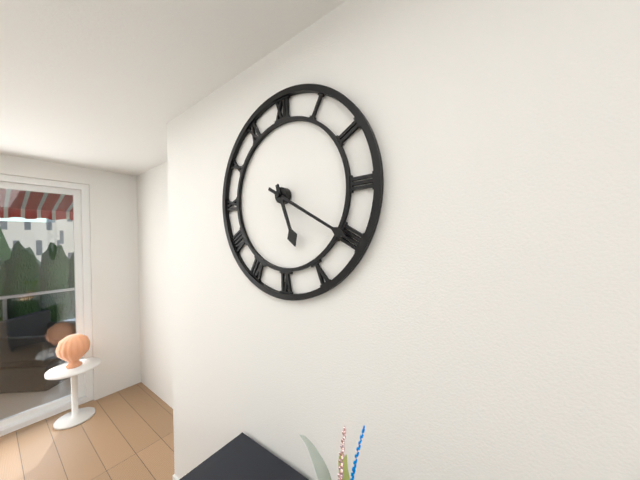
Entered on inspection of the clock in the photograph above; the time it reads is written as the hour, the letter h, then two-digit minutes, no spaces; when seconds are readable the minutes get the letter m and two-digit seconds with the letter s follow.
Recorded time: 5h20
